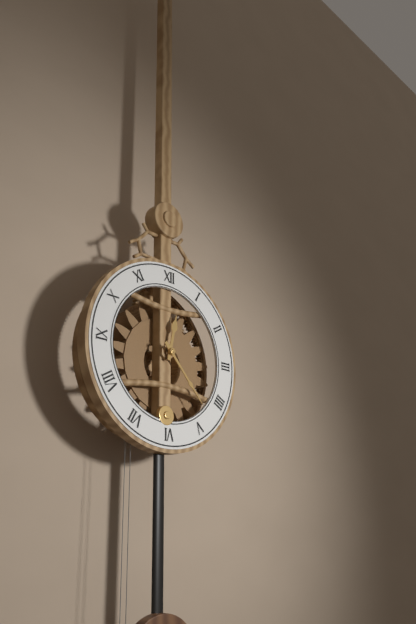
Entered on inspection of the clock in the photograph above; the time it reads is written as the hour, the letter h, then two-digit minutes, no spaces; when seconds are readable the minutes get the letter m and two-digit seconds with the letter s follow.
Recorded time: 12h23
